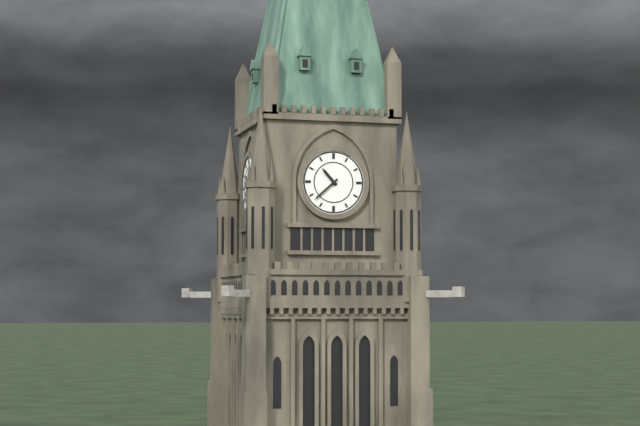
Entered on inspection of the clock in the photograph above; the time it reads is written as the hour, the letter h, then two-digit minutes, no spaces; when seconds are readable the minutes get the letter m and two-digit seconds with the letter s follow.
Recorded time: 10h38
